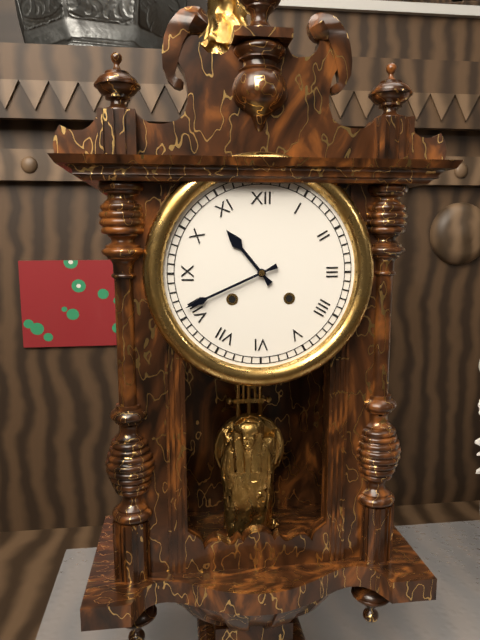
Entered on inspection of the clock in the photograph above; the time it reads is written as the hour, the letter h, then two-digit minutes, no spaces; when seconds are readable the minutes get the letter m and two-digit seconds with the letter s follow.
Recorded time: 10h41
